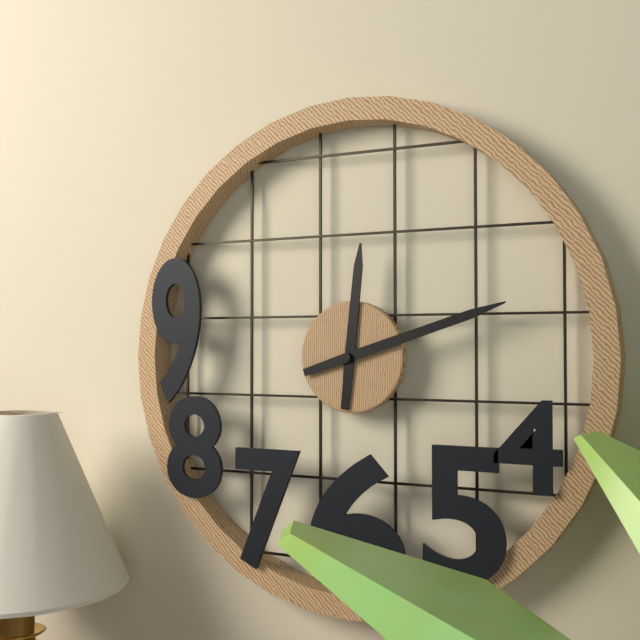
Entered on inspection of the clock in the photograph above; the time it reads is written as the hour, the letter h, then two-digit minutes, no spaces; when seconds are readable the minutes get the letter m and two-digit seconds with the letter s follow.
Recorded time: 12h12
